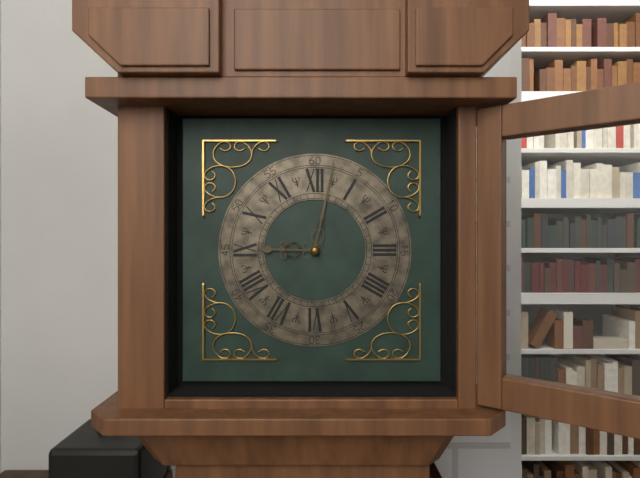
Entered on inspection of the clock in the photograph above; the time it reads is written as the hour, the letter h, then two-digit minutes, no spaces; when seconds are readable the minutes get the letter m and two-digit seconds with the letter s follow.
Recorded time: 9h02
